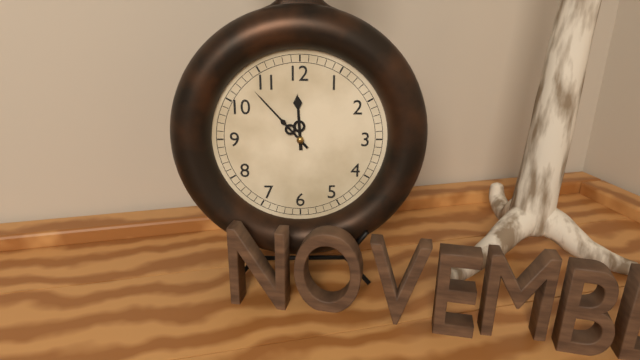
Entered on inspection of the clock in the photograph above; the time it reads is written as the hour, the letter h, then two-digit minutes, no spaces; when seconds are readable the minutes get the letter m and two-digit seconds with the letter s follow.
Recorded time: 11h53
